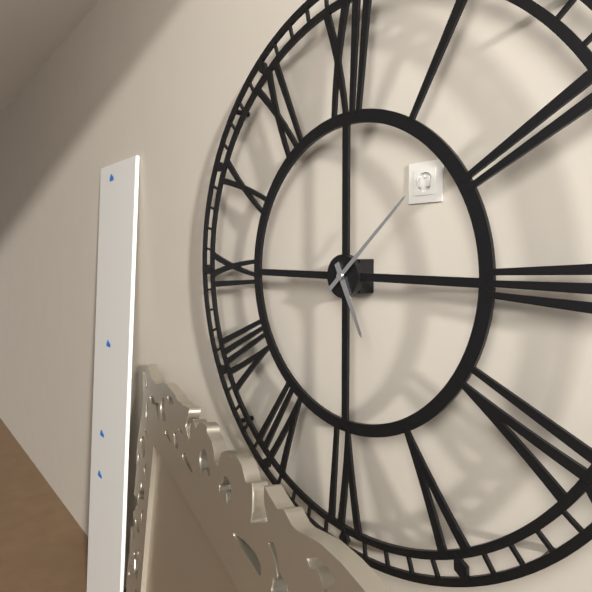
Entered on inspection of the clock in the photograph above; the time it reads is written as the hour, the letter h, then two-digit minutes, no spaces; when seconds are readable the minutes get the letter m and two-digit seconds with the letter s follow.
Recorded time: 5h08
